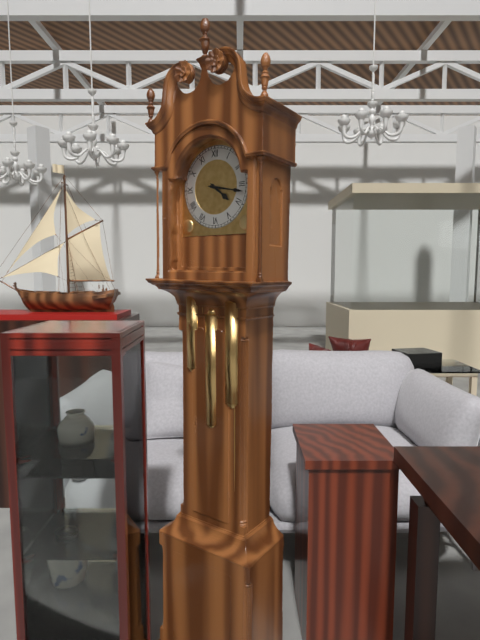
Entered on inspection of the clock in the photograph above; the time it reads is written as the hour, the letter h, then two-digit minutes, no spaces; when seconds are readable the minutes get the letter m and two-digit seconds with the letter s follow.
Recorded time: 4h17
